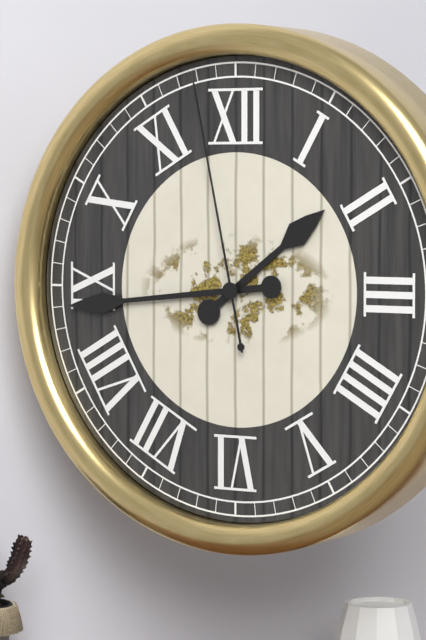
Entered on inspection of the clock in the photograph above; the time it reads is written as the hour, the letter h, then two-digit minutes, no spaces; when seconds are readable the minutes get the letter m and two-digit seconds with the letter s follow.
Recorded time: 1h44m58s
